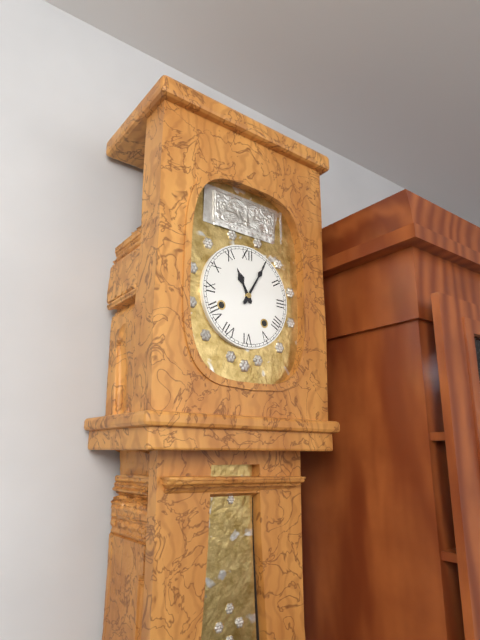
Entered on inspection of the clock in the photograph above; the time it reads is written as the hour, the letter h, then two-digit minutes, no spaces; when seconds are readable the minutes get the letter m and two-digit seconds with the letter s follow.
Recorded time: 11h05
